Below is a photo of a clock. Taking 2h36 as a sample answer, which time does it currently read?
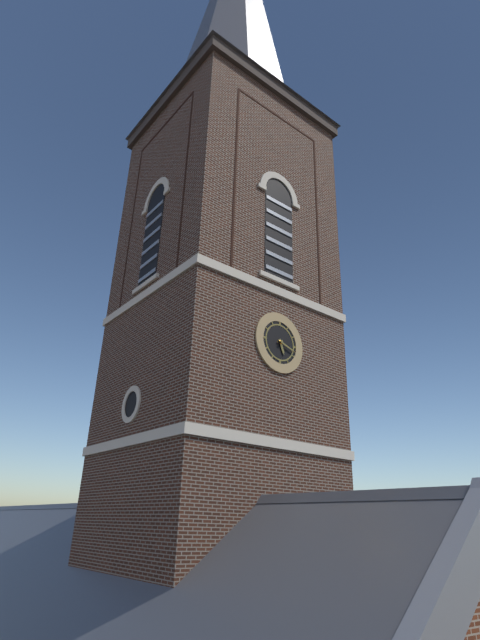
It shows 5h18
